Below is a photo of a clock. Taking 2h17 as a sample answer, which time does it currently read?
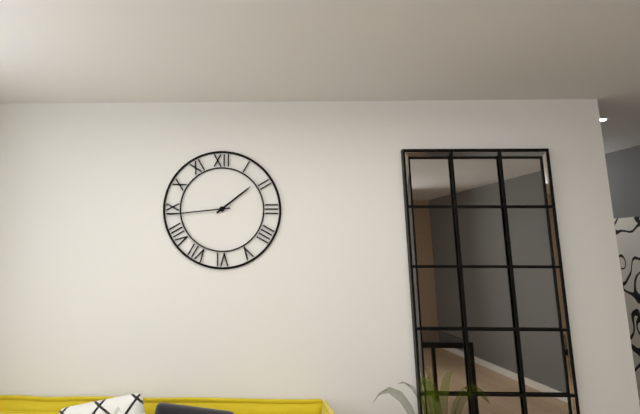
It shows 1h44
